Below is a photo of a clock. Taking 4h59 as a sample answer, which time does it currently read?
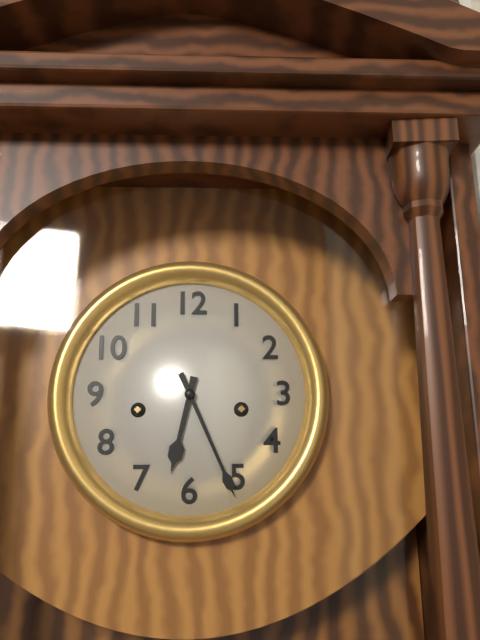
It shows 6h26
